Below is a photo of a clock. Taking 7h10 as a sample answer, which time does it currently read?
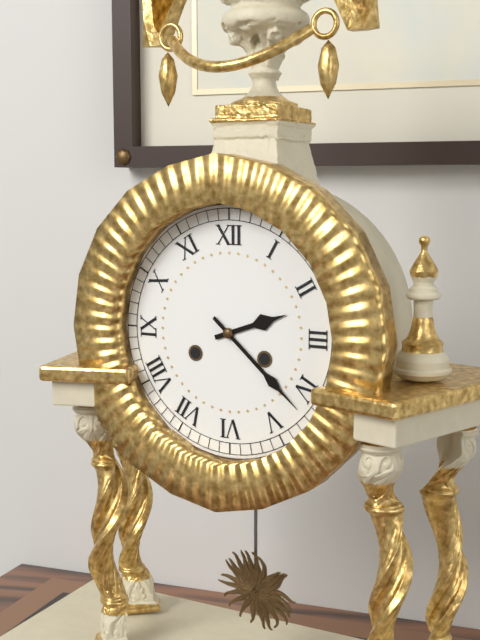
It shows 2h22
